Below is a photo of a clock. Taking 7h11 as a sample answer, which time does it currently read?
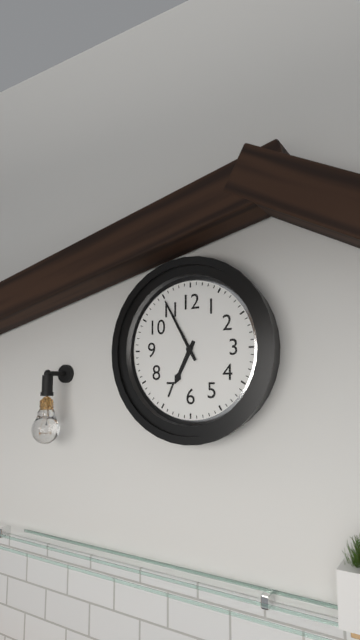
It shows 6h55
